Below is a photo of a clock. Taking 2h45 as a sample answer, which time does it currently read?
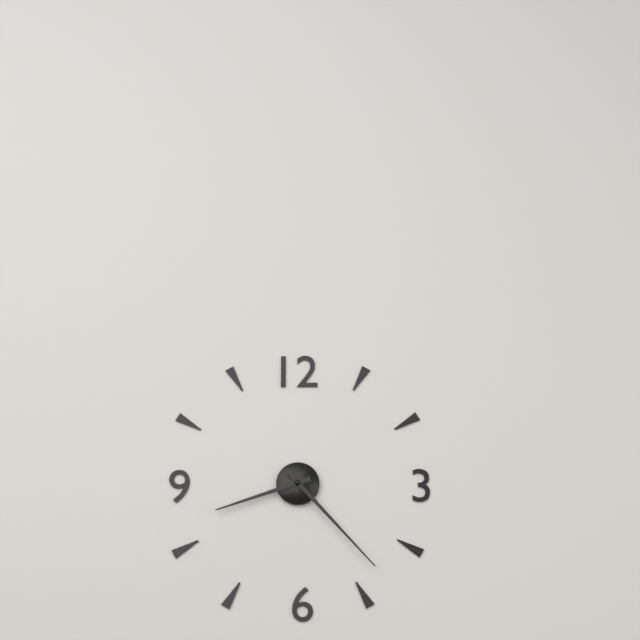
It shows 8h23
